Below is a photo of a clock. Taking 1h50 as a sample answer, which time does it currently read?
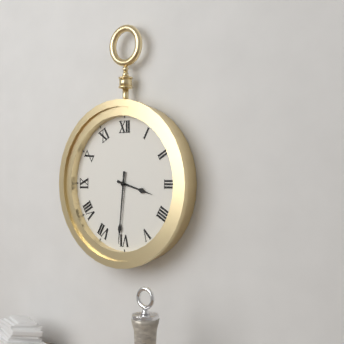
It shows 3h31
